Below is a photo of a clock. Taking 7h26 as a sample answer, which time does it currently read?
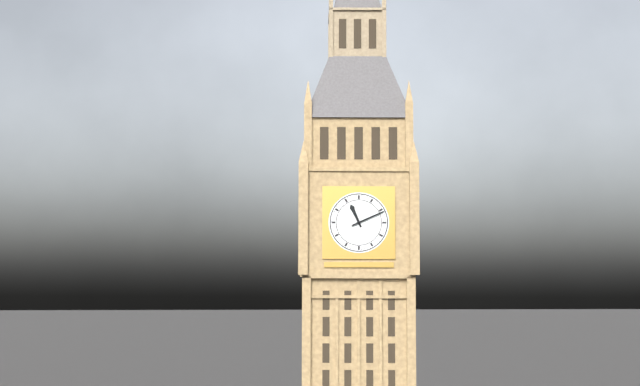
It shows 11h11
